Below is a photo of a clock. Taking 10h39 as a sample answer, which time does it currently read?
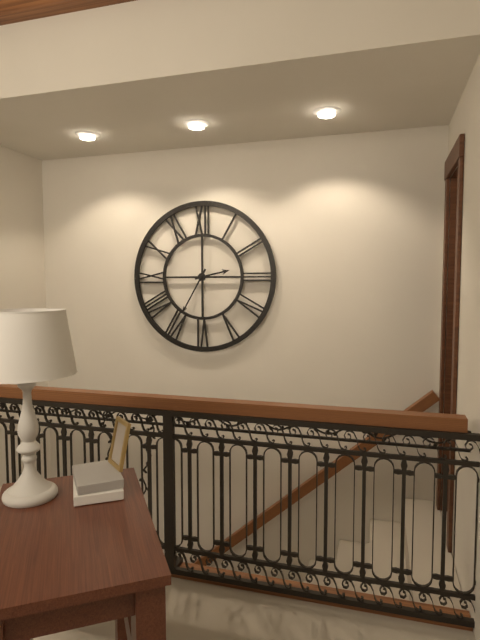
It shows 2h35
